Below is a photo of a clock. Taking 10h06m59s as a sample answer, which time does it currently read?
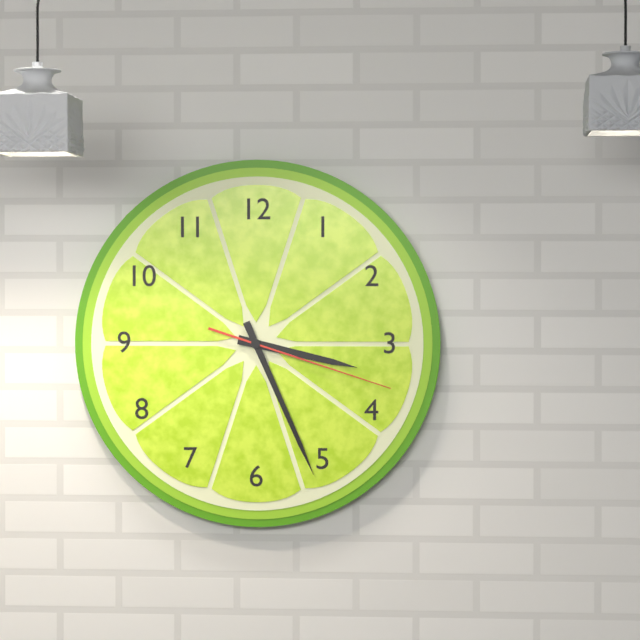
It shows 3h26m18s
